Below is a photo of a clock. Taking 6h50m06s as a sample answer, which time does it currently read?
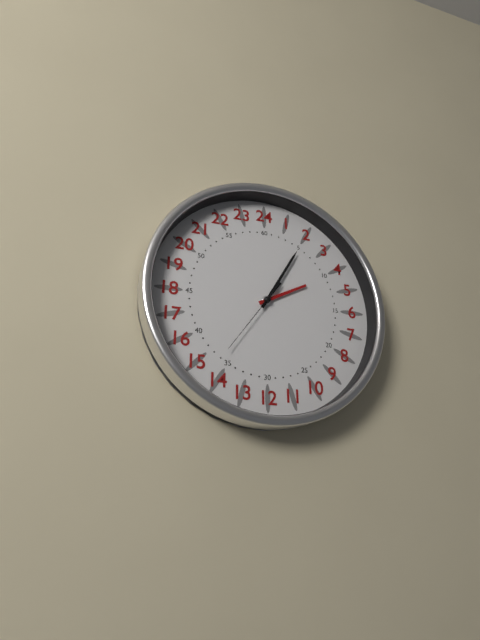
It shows 2h05m36s
